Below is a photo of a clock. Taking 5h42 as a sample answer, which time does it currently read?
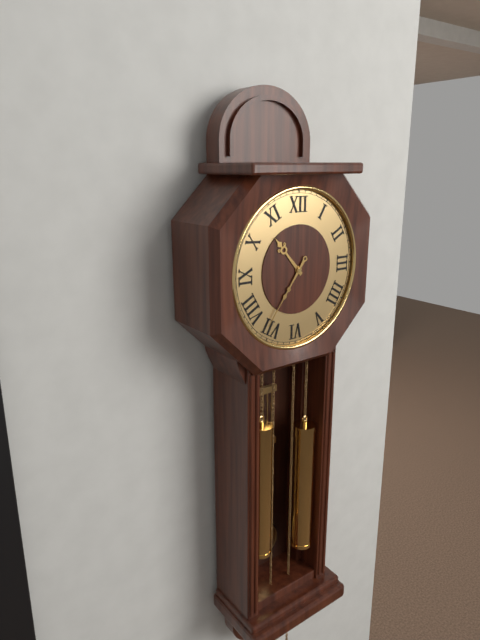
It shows 10h36
